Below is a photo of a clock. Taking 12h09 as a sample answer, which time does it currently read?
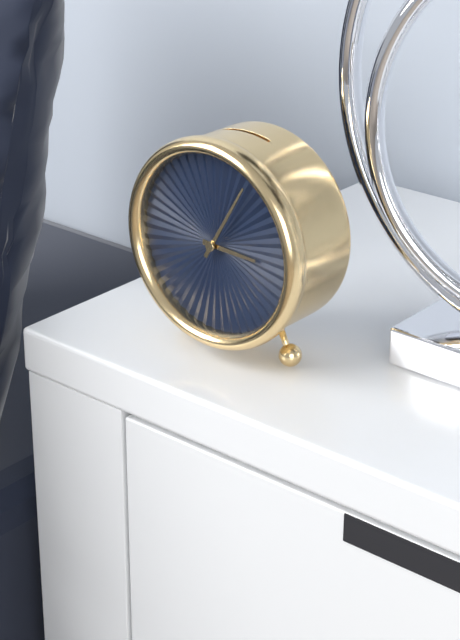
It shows 3h05
